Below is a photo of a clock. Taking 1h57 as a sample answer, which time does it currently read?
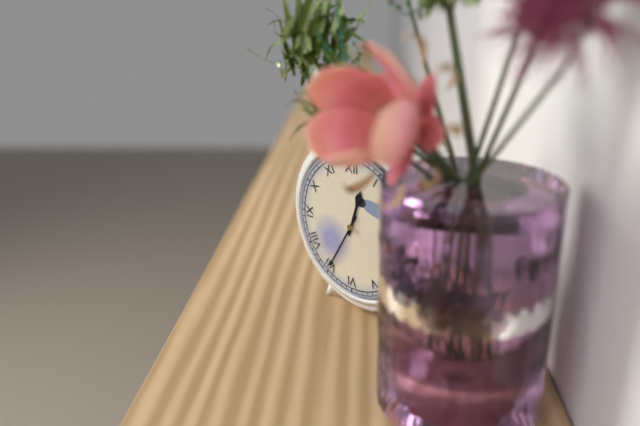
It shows 12h35
